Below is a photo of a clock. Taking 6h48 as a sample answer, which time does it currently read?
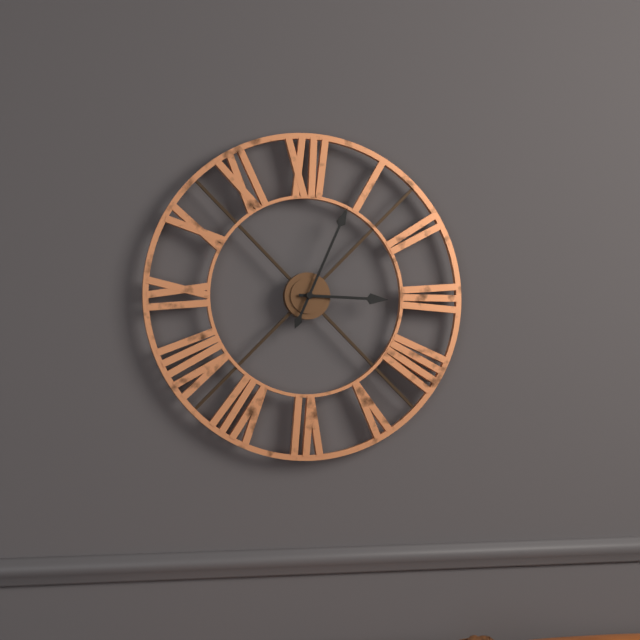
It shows 3h04
